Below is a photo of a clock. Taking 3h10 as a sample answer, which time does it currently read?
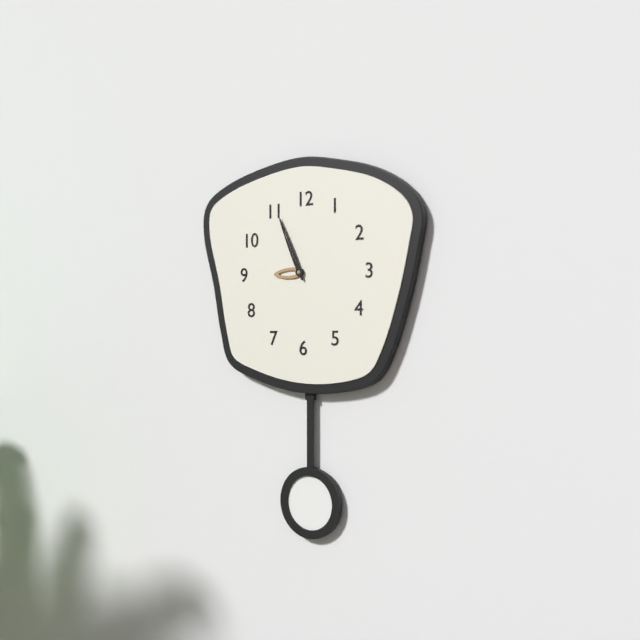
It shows 8h56
